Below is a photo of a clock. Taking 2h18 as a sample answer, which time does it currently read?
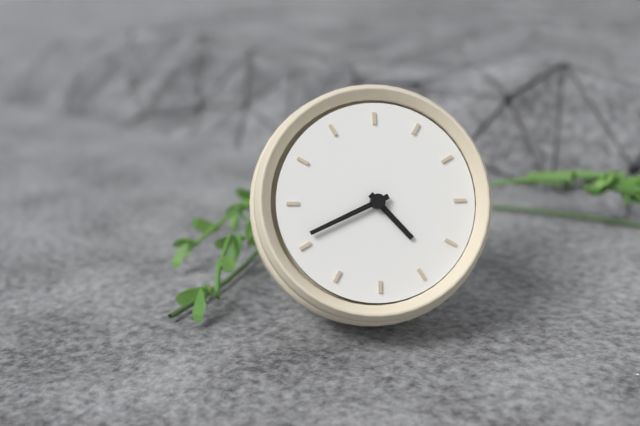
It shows 3h36
